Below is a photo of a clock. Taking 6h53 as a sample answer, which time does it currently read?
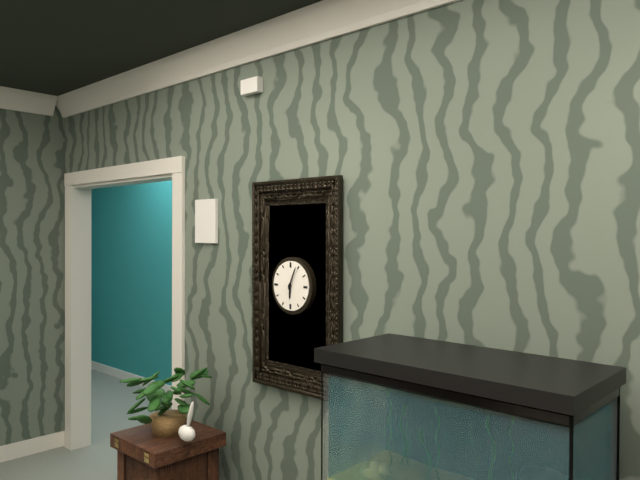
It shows 6h04
